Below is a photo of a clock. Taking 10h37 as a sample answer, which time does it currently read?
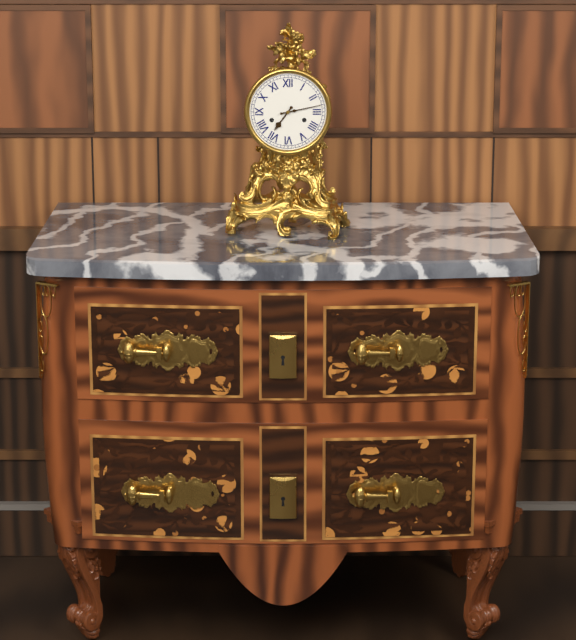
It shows 7h13
